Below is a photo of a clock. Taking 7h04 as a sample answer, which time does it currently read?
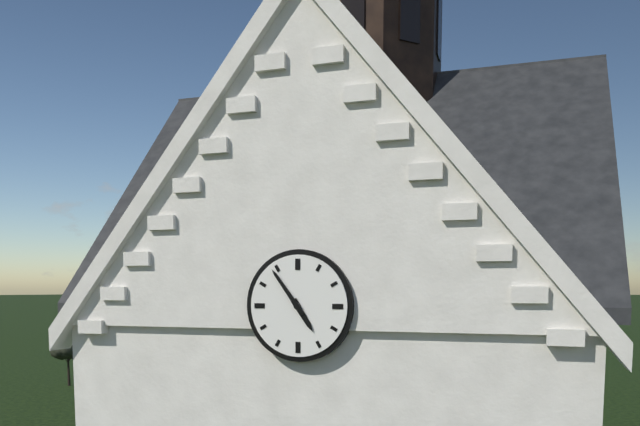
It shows 4h54
